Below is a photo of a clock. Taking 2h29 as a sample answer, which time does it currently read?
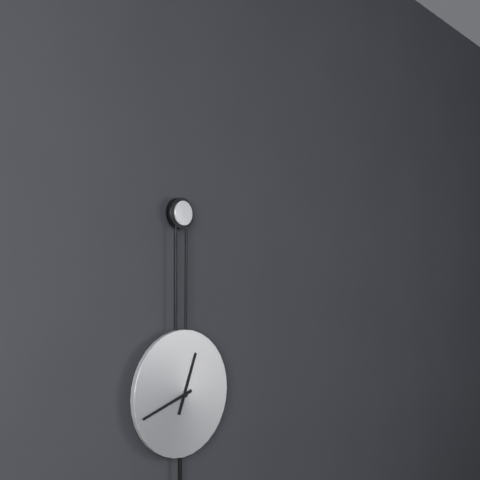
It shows 12h42
